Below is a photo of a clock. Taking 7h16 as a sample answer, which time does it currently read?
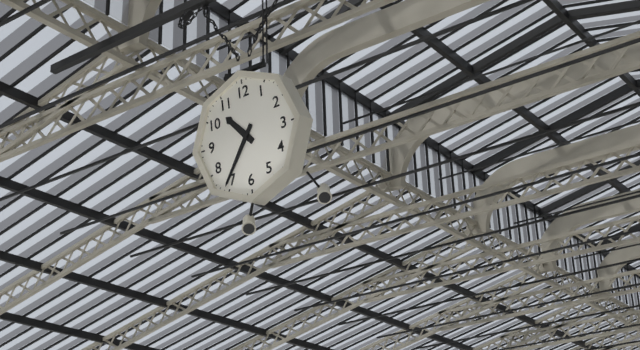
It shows 10h36
